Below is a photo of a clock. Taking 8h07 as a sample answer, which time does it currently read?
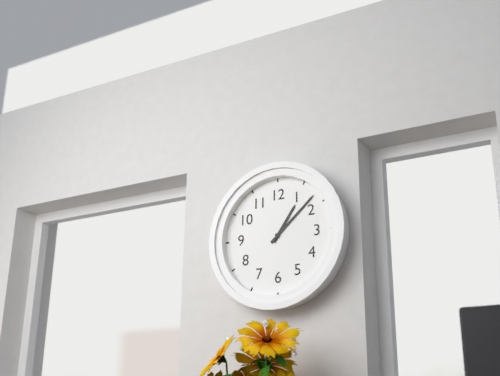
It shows 1h08
